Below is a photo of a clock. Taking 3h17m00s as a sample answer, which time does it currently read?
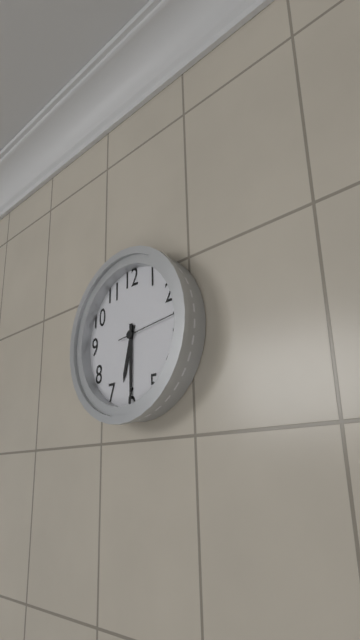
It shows 6h30m14s
